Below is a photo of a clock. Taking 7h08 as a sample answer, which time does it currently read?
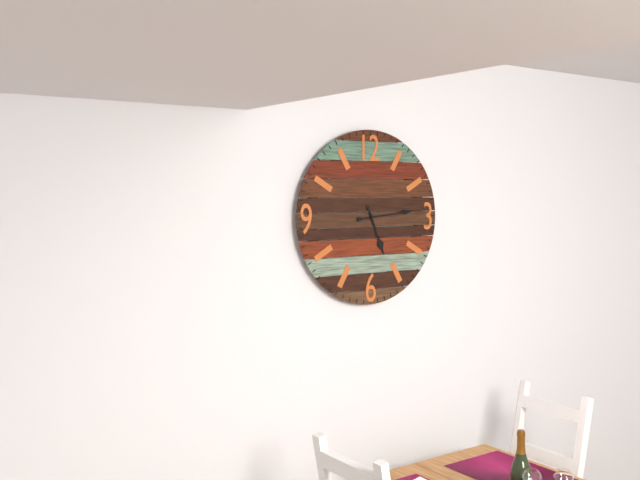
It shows 5h14
